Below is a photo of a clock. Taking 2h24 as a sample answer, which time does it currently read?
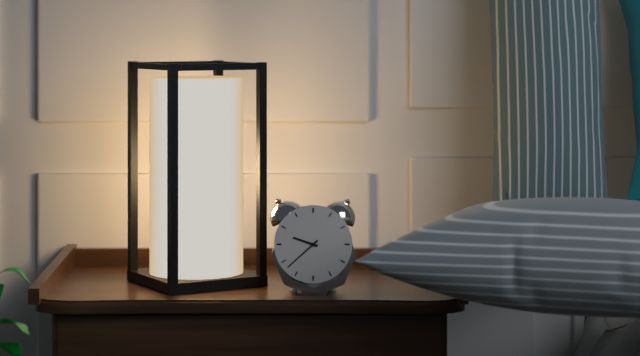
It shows 9h38
